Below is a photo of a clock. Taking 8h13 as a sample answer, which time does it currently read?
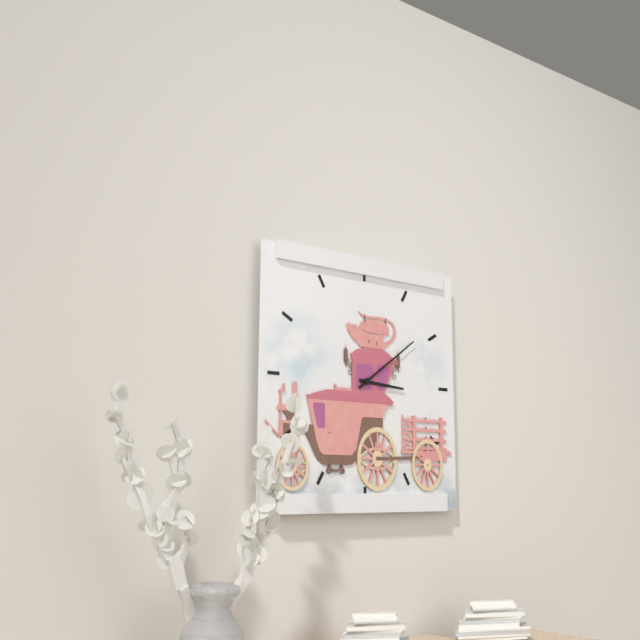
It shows 3h09
